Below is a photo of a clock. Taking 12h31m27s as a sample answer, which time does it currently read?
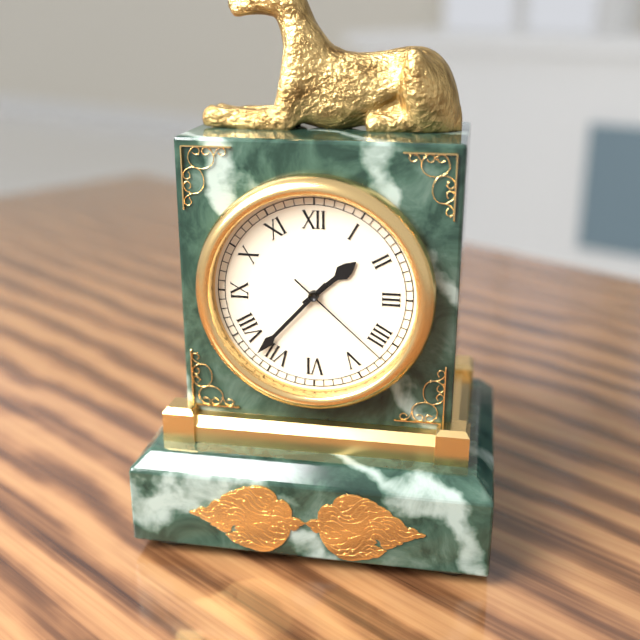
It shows 1h37m22s
